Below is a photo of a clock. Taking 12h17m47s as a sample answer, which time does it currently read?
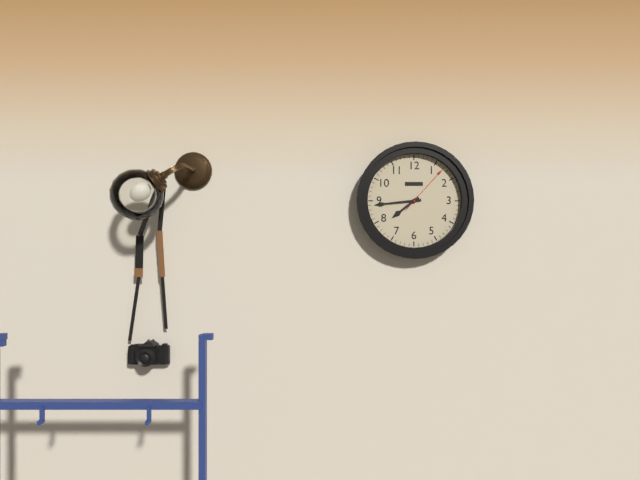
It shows 7h44m07s
